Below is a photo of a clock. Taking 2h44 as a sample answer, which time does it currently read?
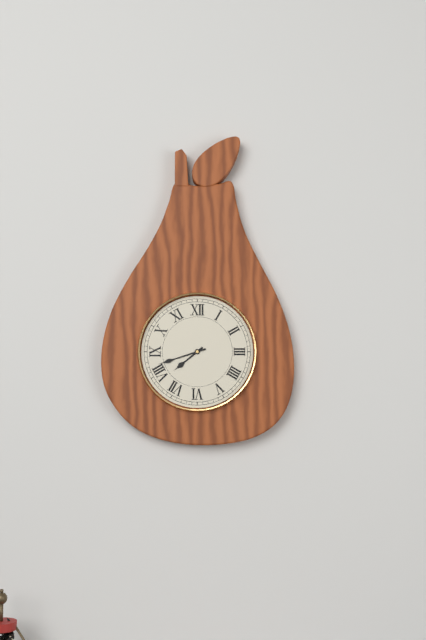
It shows 7h42
